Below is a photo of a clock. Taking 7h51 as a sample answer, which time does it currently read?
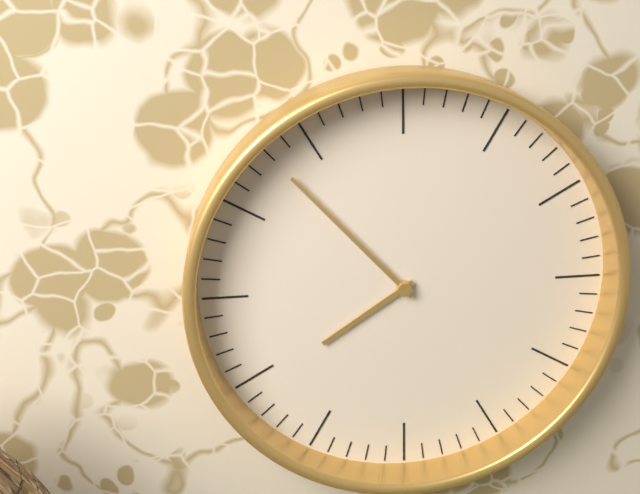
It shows 7h53
